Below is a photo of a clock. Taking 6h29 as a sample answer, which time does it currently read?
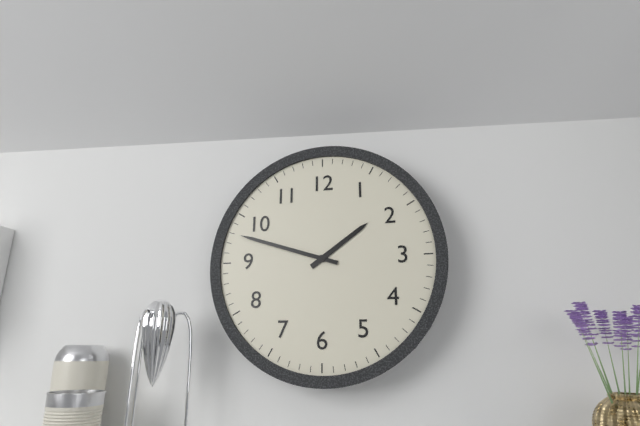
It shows 1h48
